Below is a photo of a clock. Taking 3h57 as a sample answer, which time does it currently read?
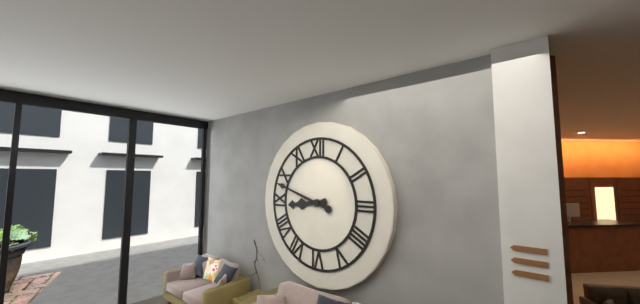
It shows 8h48
